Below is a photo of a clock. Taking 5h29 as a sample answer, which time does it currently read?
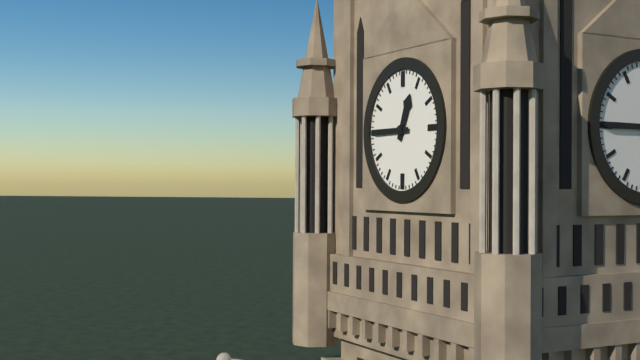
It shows 12h45
